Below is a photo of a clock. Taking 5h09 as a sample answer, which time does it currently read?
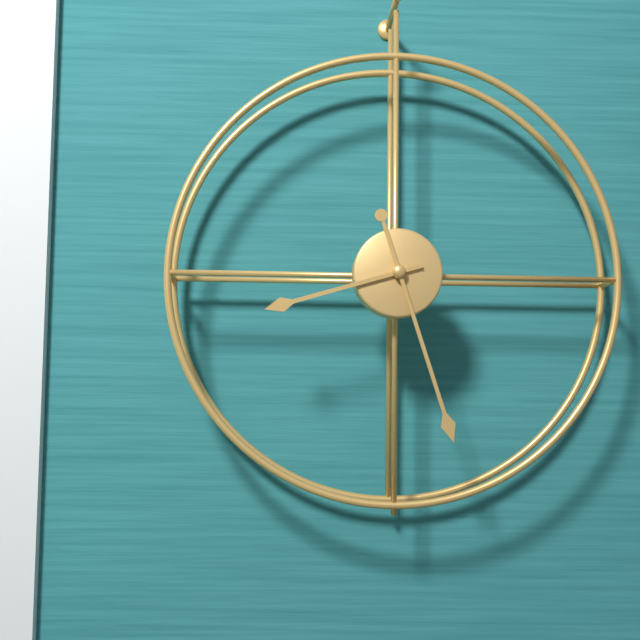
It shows 8h27
